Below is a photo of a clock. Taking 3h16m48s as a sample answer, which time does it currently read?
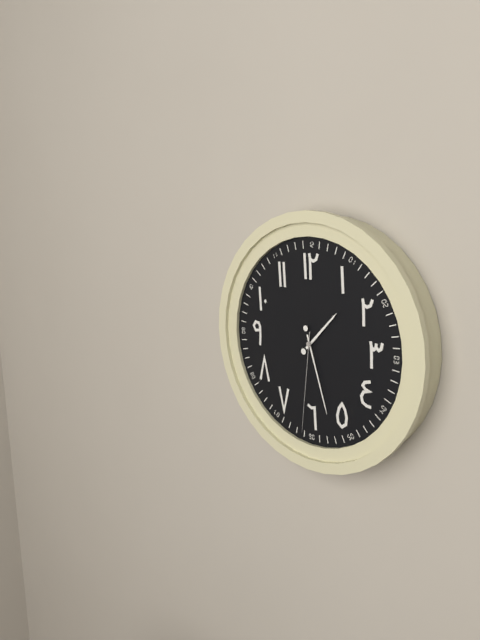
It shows 1h27m31s
